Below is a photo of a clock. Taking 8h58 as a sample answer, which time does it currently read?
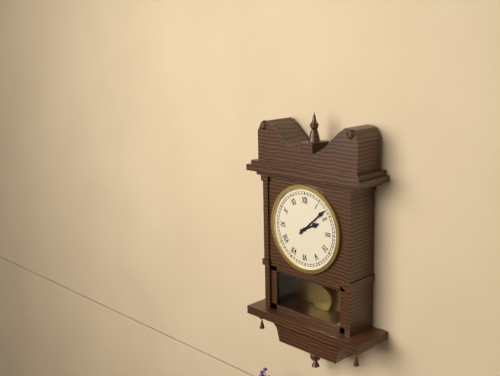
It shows 2h08
